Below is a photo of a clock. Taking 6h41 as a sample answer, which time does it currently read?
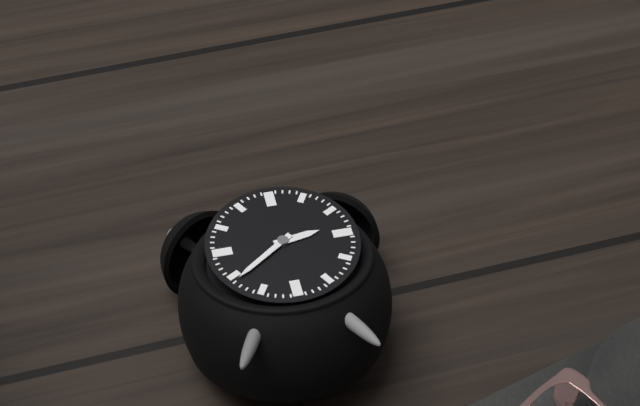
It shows 2h39
